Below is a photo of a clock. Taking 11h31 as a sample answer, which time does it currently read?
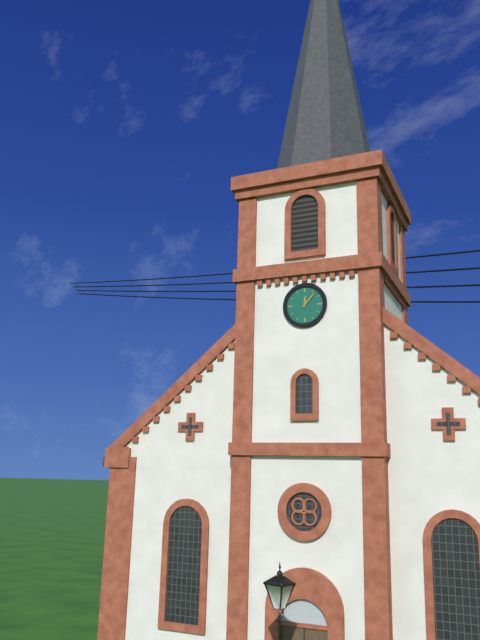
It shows 12h07
